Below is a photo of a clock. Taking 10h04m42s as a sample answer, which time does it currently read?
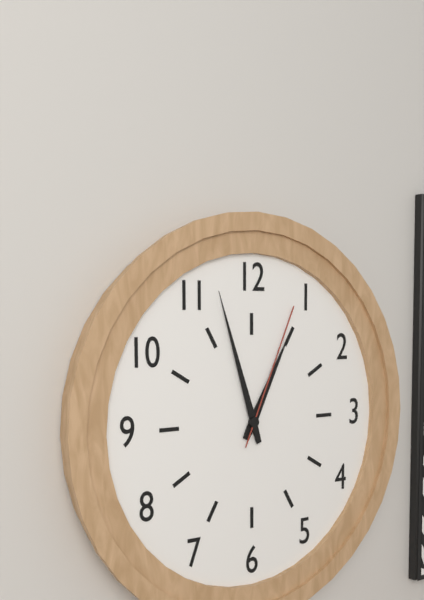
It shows 12h57m04s
